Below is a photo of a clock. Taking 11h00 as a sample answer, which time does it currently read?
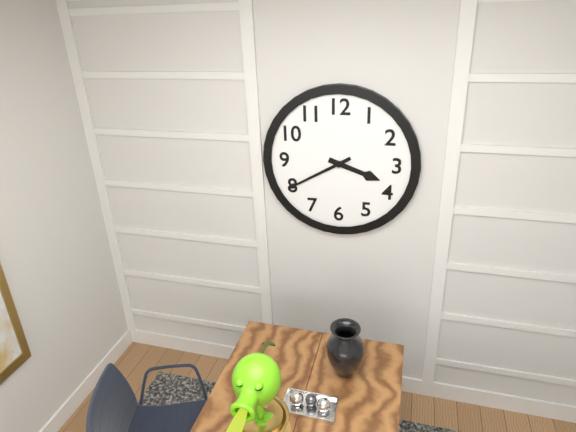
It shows 3h40
